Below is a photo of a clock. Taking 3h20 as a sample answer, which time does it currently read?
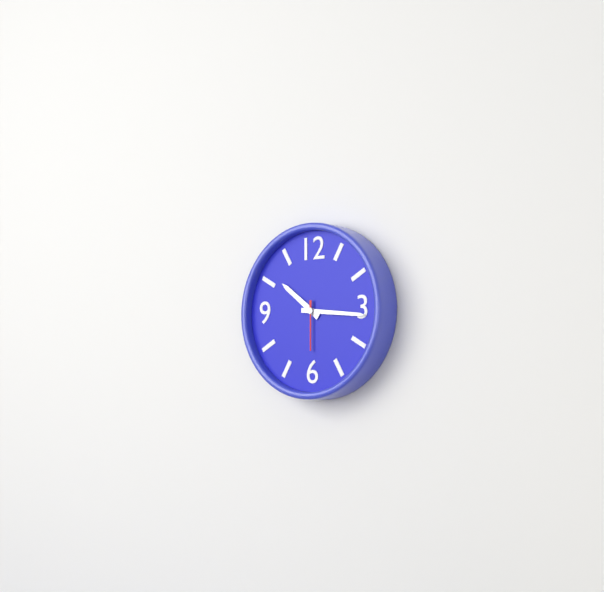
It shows 10h16
